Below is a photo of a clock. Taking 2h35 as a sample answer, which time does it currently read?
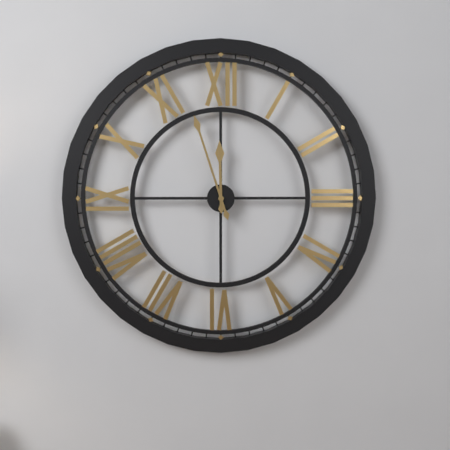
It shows 11h57
